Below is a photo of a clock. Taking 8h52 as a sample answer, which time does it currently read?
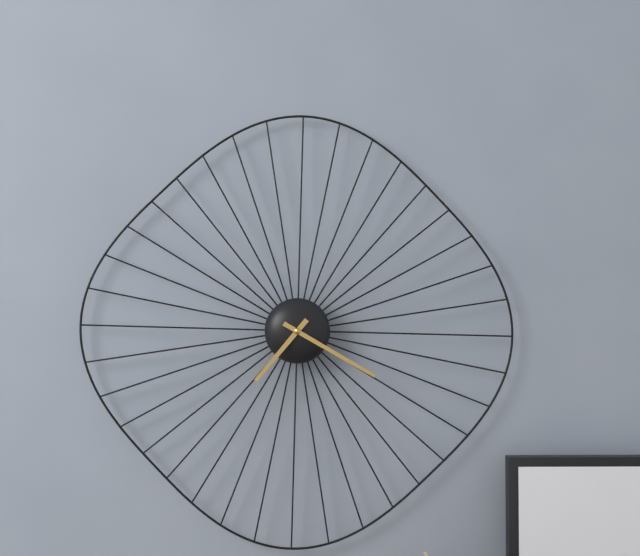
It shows 7h20
